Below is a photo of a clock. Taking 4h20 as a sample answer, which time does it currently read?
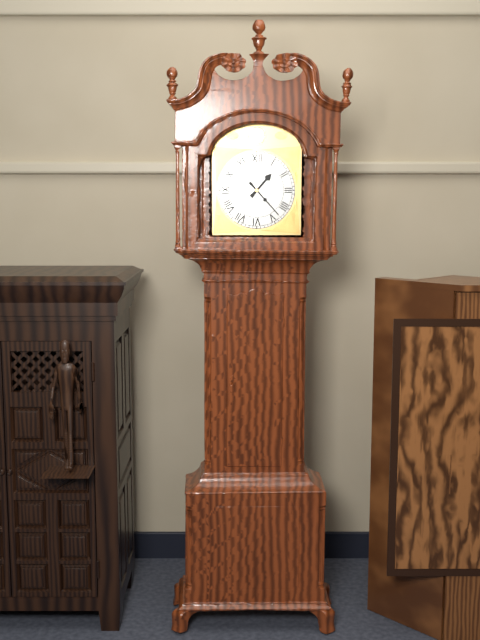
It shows 1h23
